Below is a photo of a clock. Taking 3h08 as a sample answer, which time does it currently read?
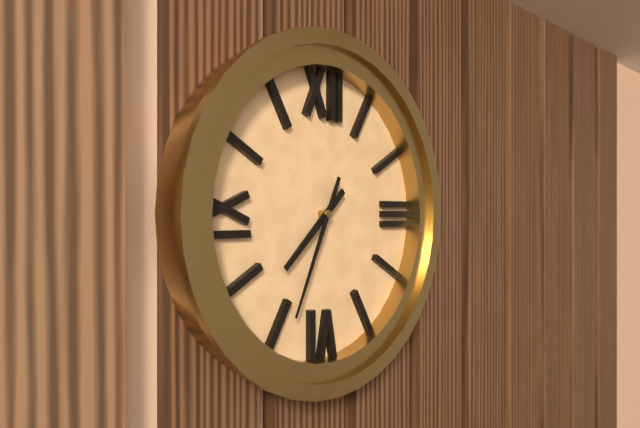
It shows 7h34
